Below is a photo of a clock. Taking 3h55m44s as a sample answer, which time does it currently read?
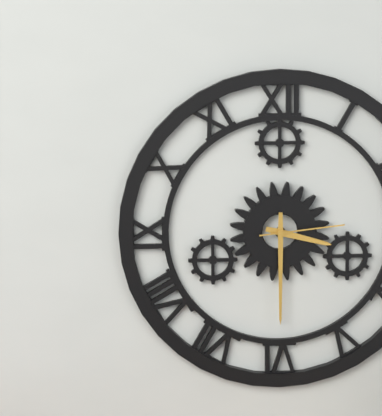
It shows 3h30m14s
